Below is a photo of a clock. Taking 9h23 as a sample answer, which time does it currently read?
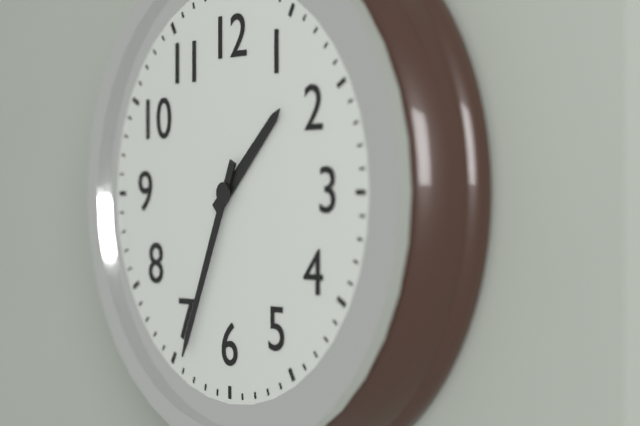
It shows 1h34
